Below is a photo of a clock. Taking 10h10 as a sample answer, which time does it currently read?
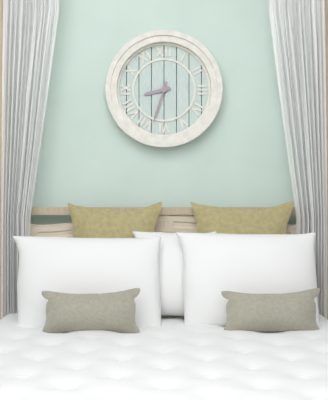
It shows 8h33
